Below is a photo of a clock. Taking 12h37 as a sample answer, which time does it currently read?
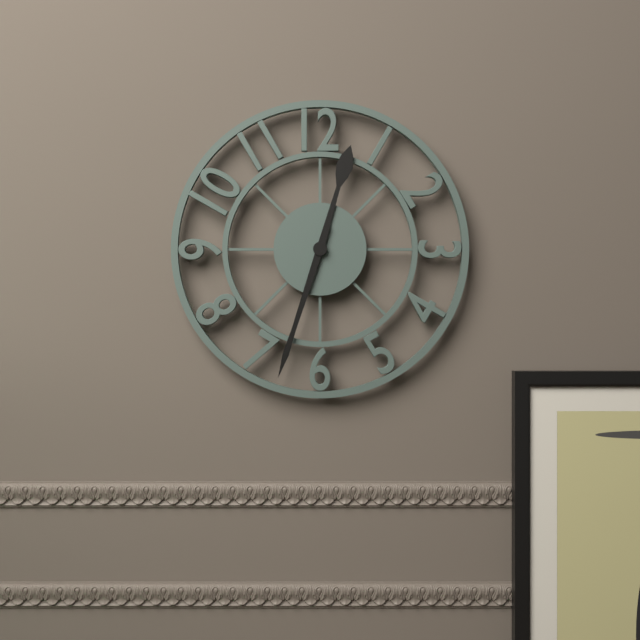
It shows 12h33
